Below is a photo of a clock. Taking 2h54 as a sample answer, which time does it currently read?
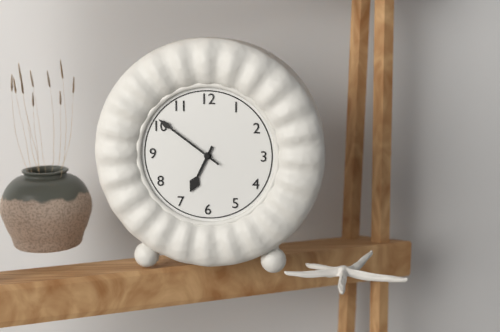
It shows 6h51
